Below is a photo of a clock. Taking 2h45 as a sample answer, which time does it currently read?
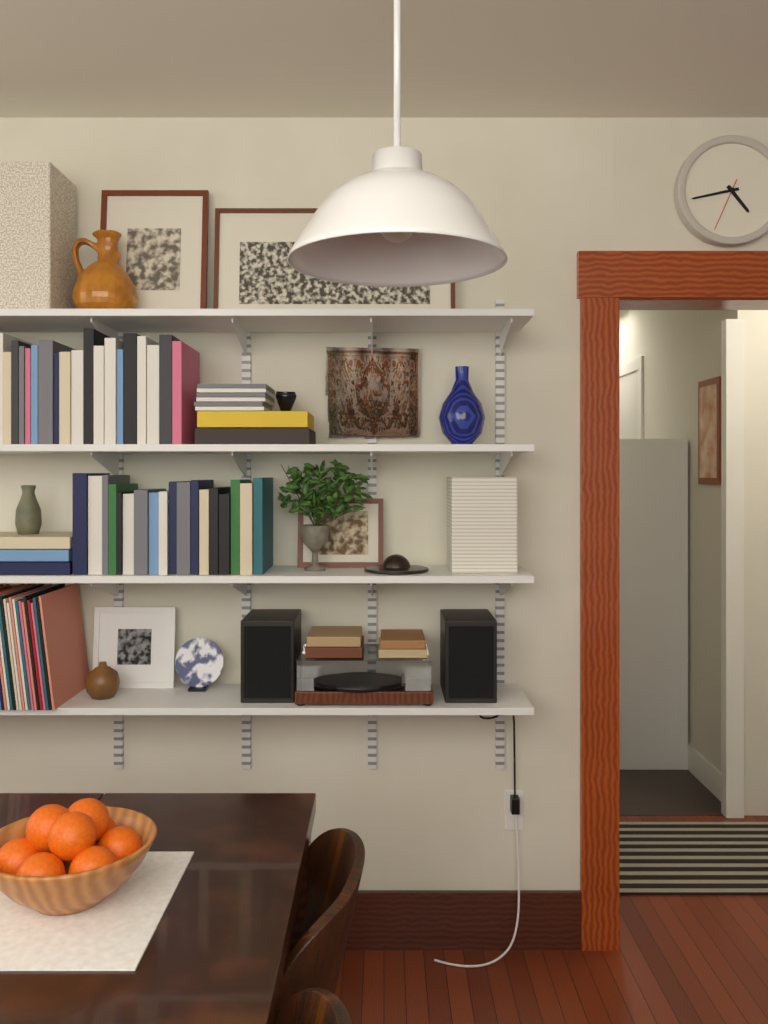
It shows 4h43
